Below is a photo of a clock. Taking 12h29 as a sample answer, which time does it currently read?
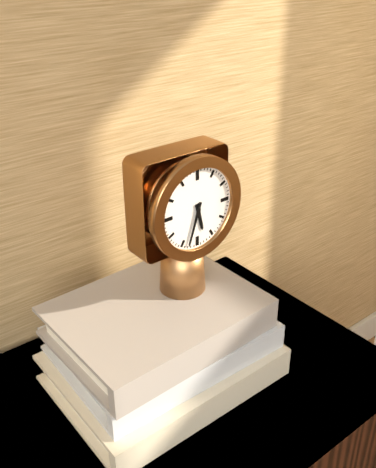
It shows 5h33
